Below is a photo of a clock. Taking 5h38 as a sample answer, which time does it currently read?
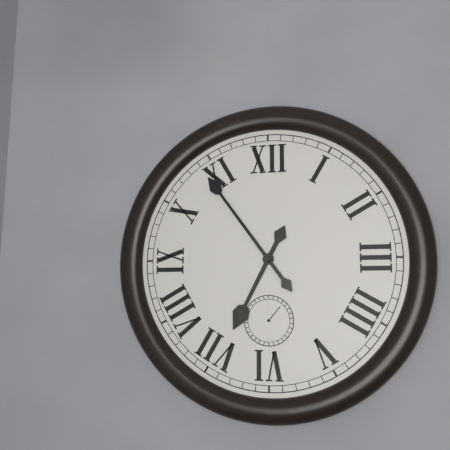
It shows 6h54
